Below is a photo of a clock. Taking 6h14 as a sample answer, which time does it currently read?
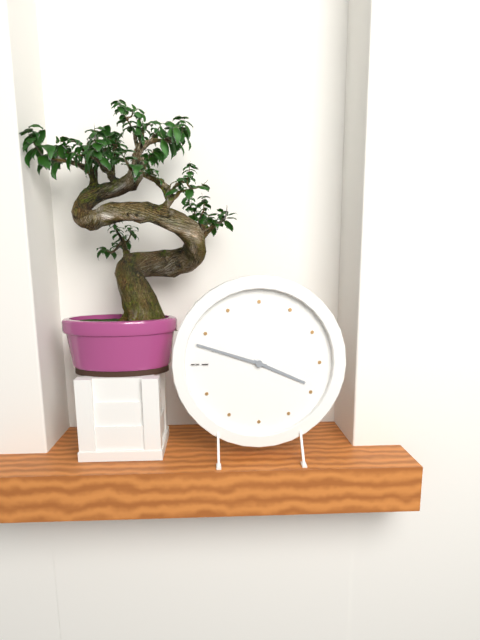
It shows 3h48
